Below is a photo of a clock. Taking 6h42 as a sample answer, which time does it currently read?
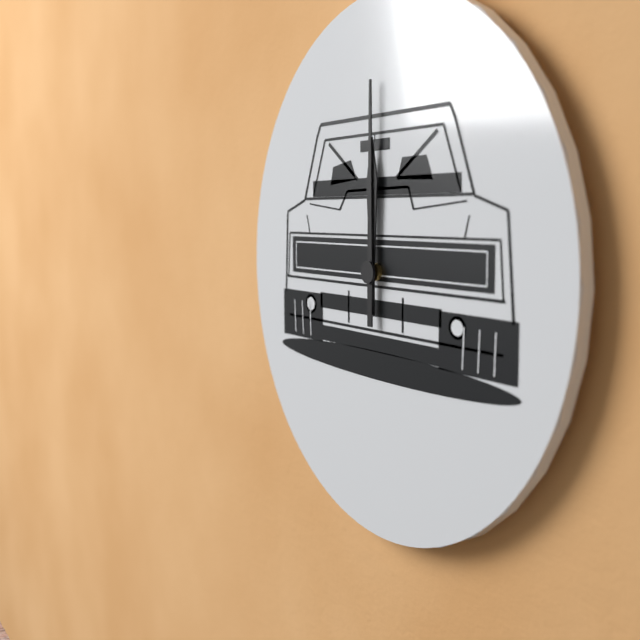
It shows 12h00
